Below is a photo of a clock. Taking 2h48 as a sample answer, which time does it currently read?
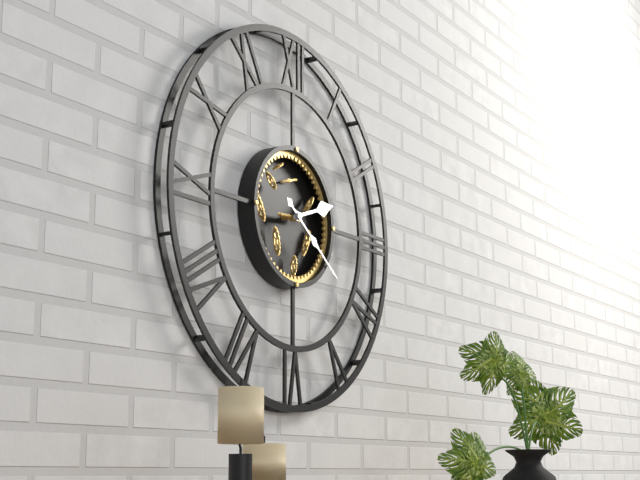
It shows 2h21
